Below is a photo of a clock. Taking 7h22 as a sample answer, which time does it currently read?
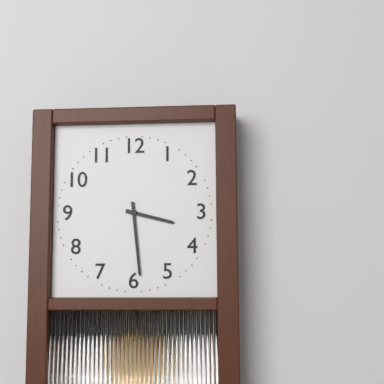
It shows 3h29
